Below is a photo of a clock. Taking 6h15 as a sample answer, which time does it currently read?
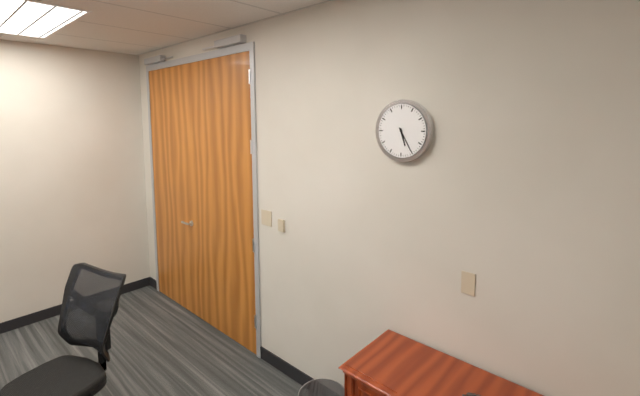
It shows 5h25
